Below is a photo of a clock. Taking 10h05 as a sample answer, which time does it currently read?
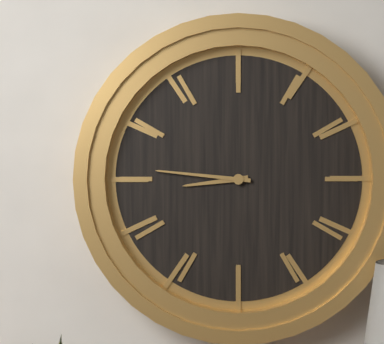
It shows 8h46
